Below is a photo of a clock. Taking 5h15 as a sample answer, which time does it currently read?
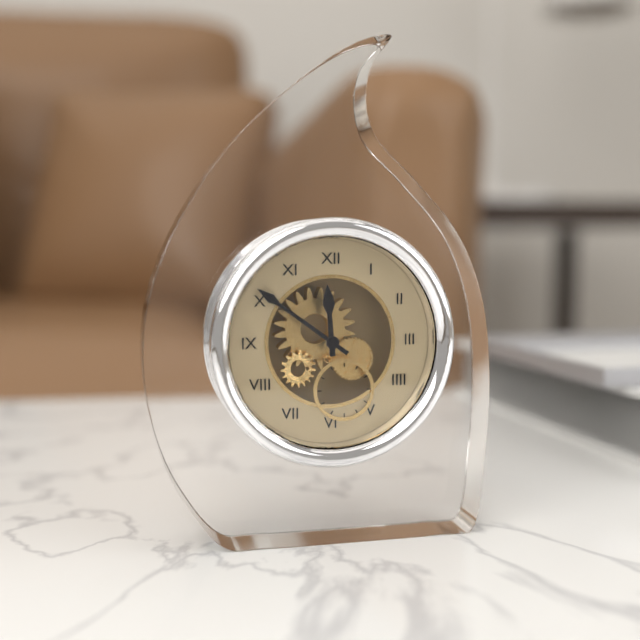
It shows 11h51
